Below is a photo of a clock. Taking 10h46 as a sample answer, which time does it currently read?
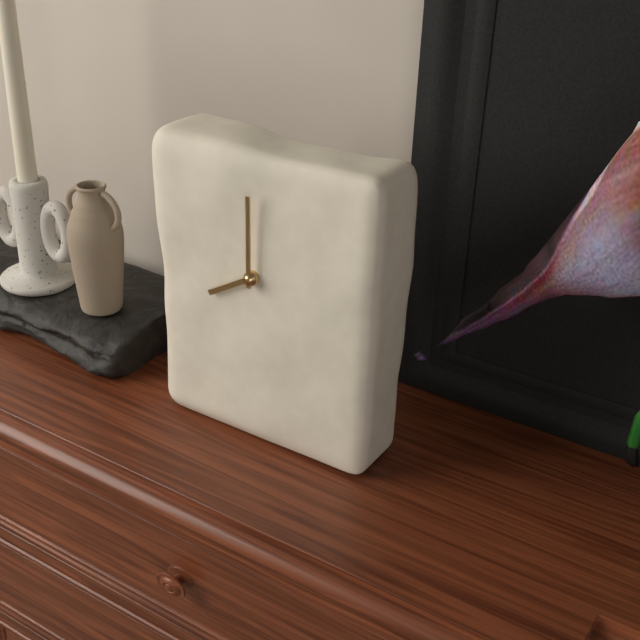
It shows 8h00
